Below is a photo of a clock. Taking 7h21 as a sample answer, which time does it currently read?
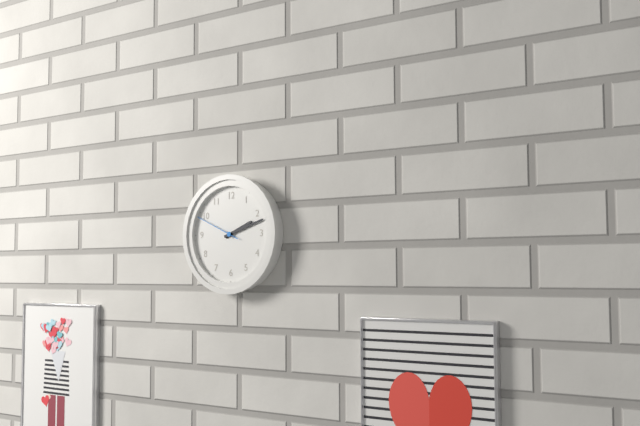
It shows 2h12
